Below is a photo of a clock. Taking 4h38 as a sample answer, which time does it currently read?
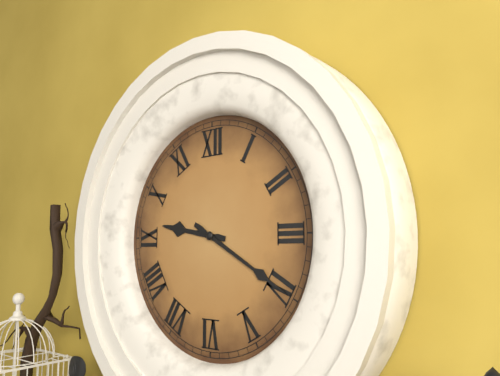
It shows 9h20
